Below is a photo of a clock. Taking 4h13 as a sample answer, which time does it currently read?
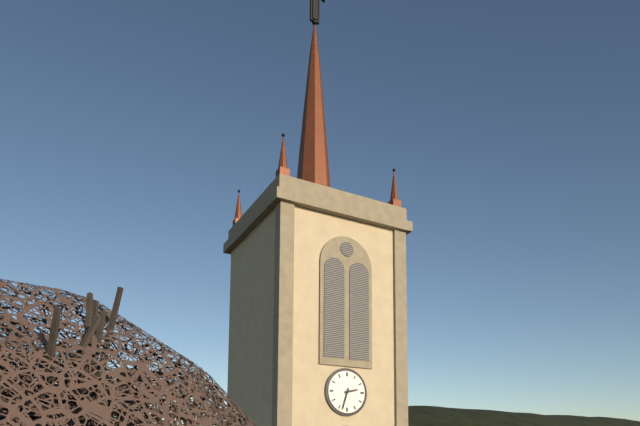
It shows 2h33
